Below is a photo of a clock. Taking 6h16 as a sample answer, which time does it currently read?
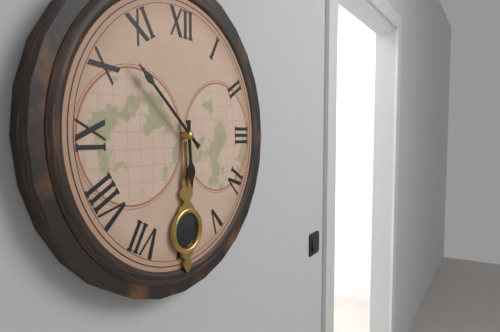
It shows 5h52
